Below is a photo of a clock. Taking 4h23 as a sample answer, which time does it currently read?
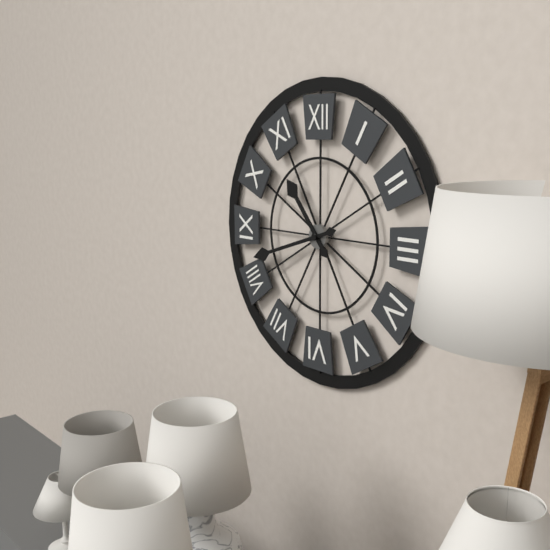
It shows 10h42
